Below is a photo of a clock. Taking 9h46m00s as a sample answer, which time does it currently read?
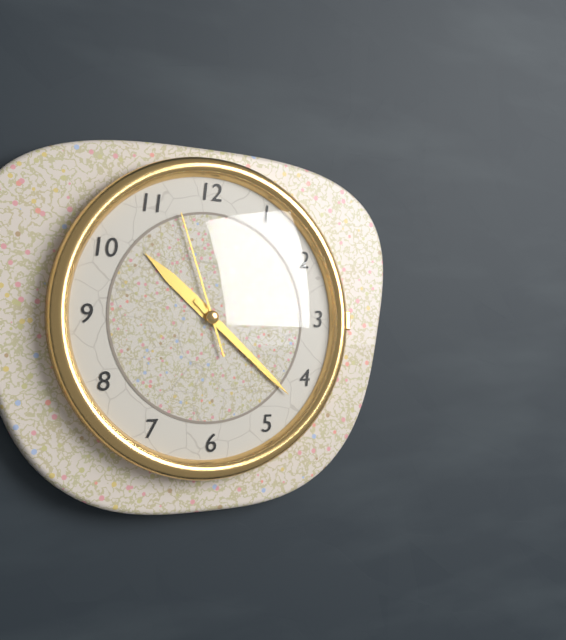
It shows 10h22m57s
